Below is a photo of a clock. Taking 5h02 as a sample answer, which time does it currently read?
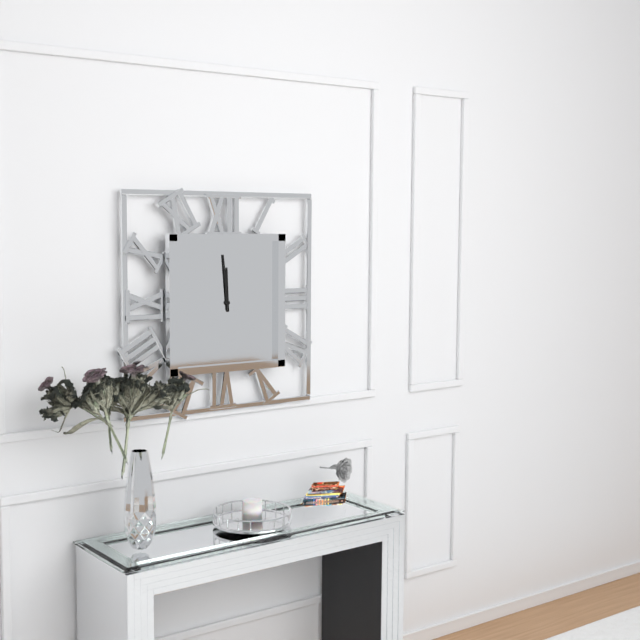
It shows 11h59
